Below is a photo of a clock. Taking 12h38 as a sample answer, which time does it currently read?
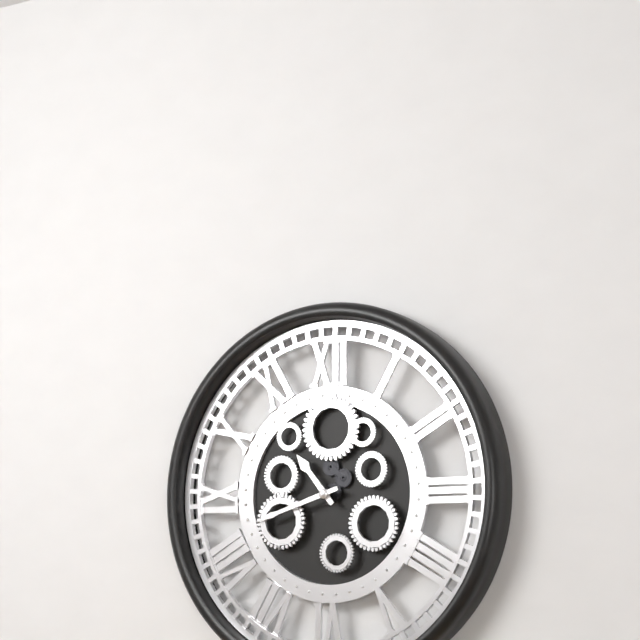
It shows 10h42
